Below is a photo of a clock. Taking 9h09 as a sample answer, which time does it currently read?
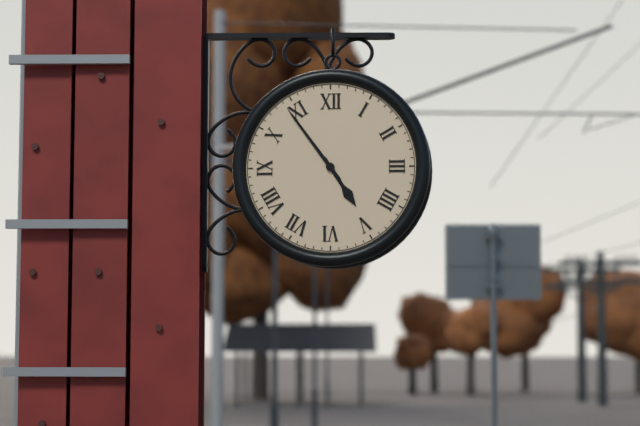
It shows 4h54
